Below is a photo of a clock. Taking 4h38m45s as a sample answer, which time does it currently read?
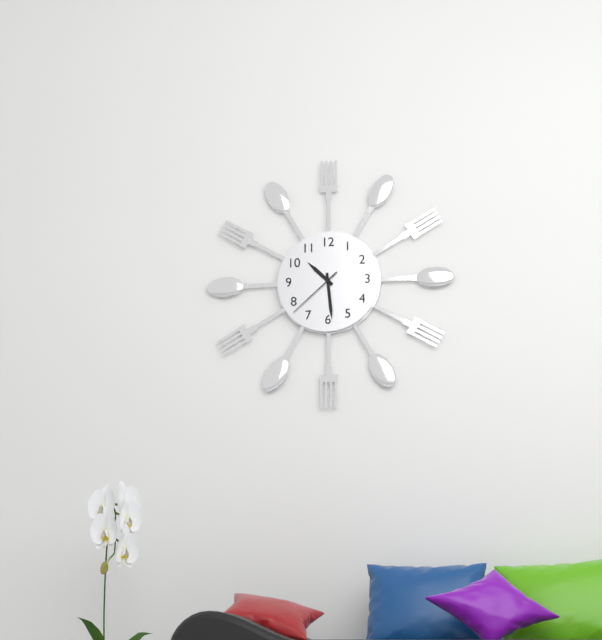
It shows 10h29m38s
